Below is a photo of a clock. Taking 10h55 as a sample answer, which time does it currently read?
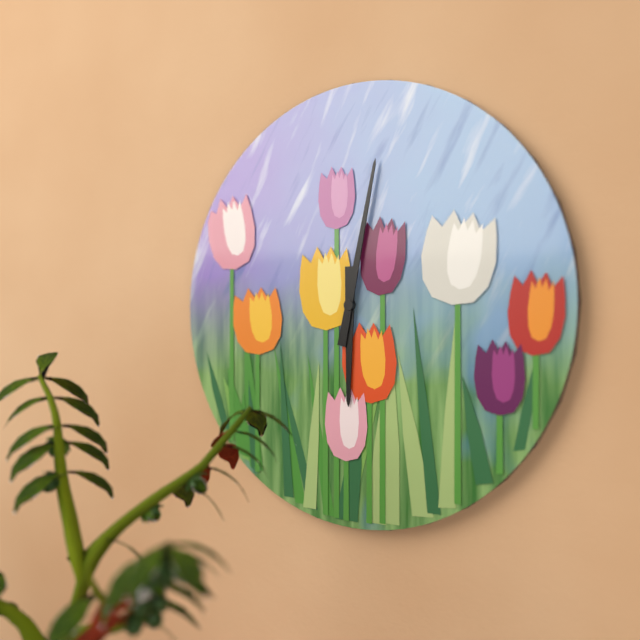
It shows 6h02
